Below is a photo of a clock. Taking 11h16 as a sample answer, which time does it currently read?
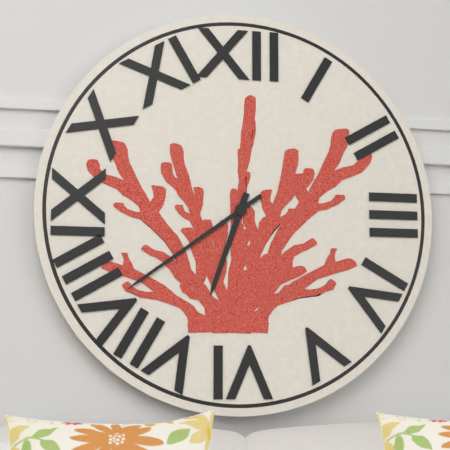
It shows 6h39
